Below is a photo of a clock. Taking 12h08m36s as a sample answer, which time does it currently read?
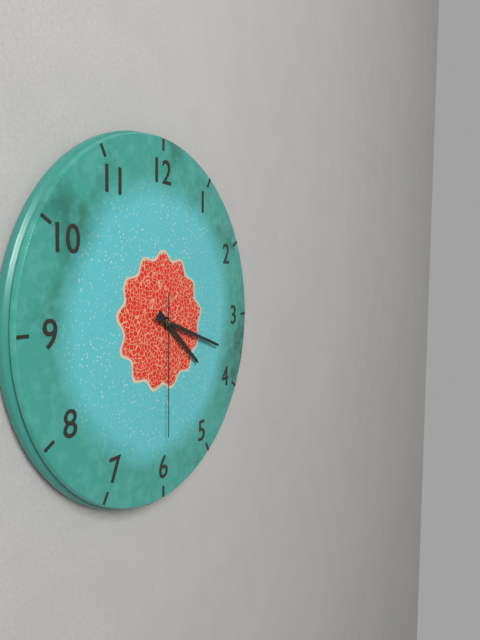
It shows 4h18m30s
